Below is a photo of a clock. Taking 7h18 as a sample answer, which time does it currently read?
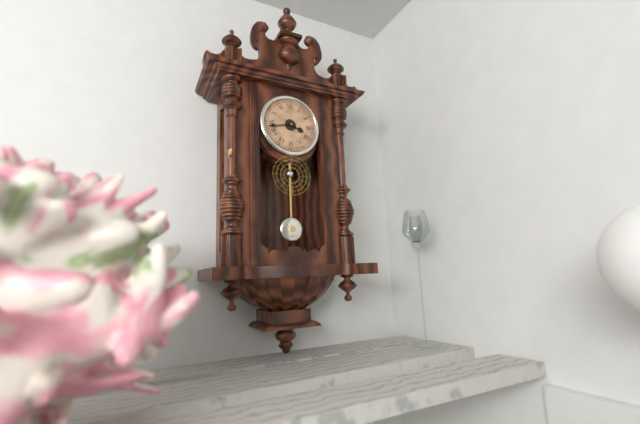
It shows 3h43
